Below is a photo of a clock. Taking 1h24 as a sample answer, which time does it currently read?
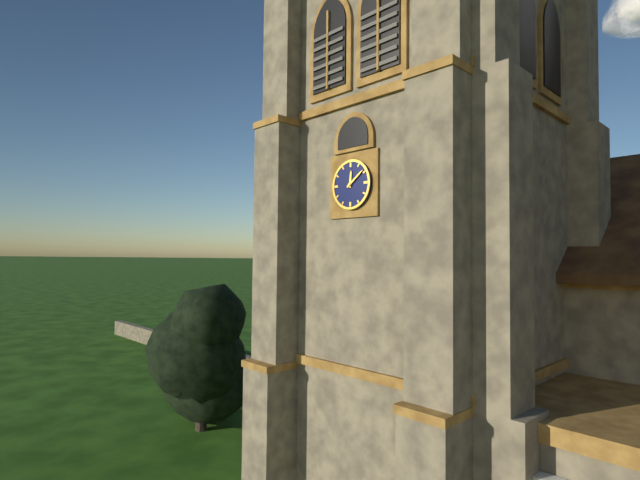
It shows 12h09
